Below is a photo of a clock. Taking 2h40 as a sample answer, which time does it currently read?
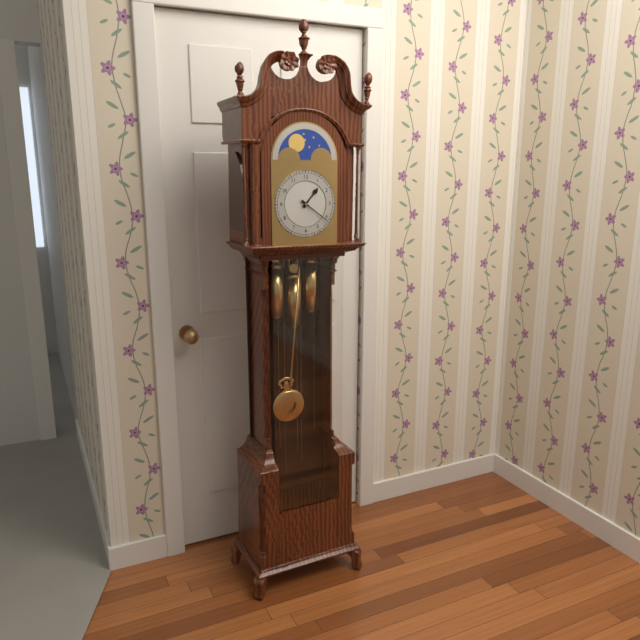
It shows 1h21
